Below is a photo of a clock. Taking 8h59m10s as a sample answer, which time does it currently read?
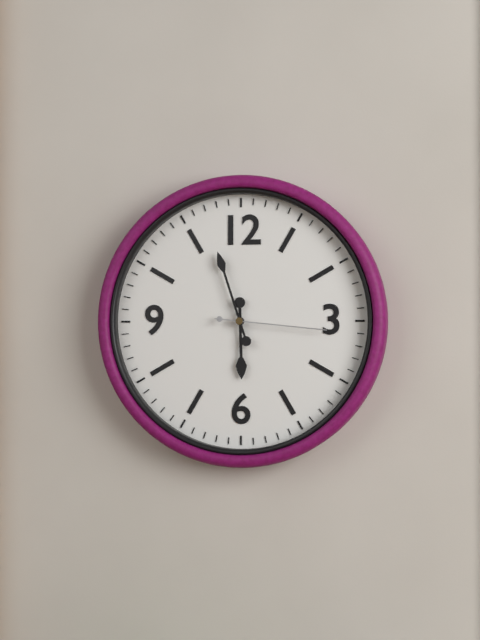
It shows 5h57m16s
